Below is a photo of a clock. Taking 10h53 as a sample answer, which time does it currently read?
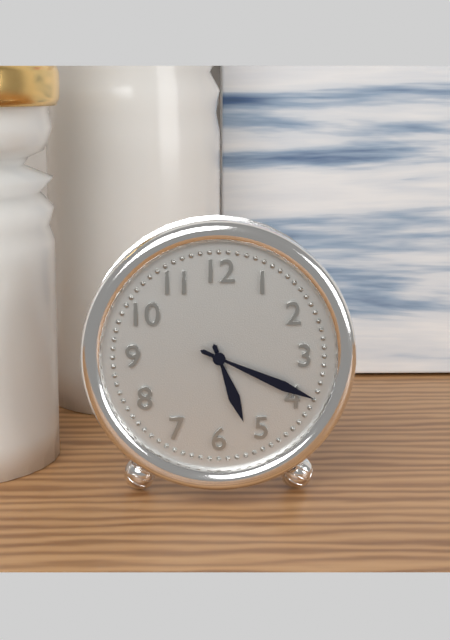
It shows 5h19
